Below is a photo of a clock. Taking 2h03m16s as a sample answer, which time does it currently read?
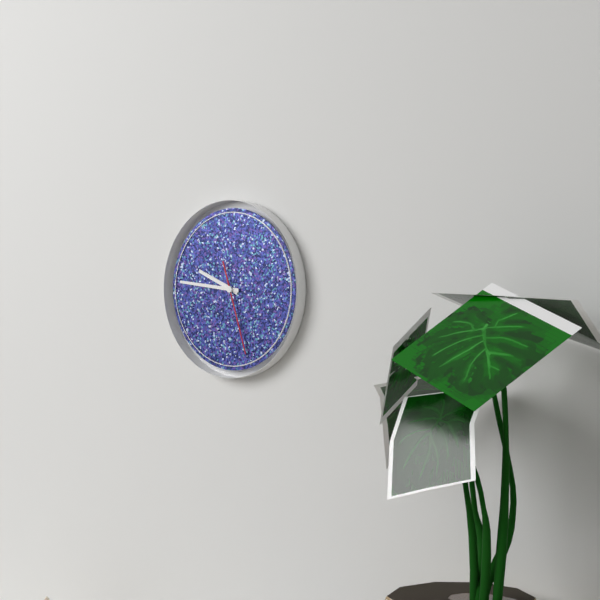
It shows 9h46m27s
